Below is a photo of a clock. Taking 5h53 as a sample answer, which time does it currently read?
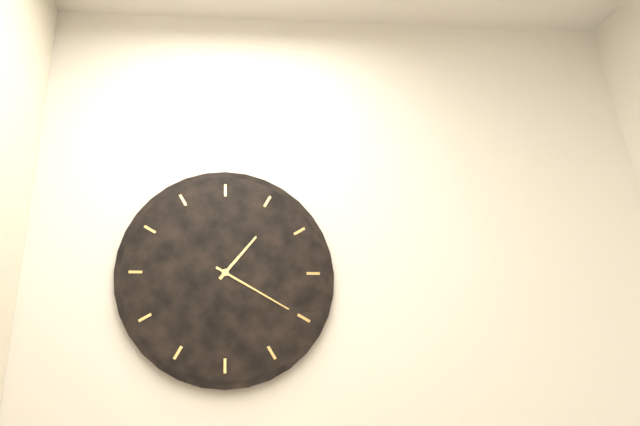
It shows 1h20
